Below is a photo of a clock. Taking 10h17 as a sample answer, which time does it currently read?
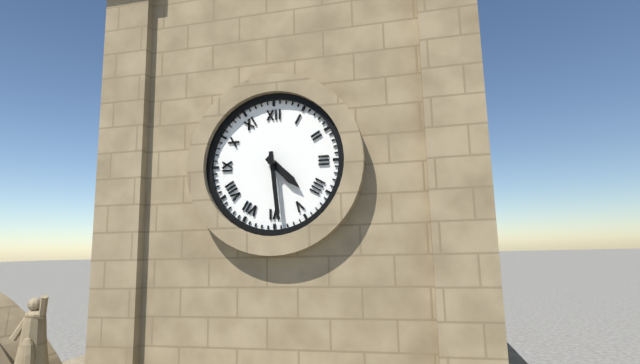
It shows 4h29
